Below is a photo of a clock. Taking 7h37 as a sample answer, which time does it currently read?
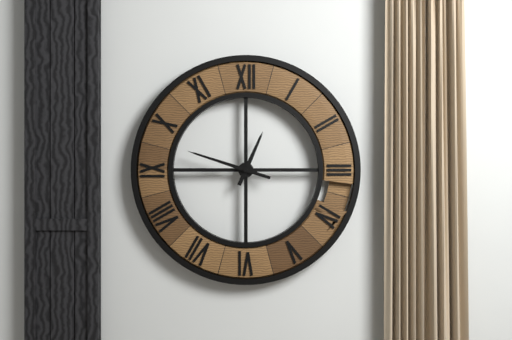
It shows 12h48
